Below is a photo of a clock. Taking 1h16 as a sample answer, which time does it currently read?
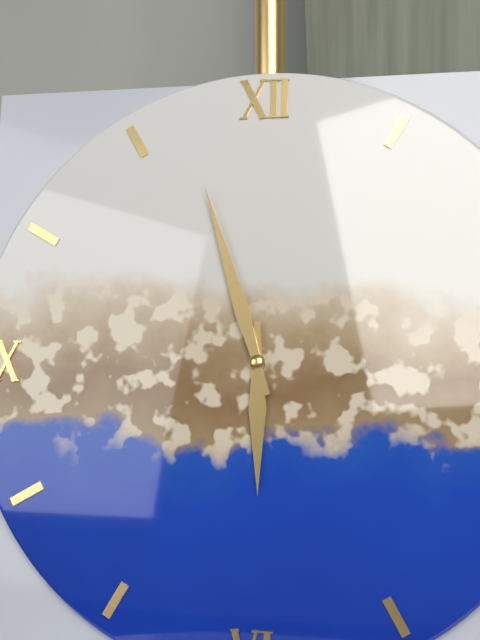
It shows 5h57
